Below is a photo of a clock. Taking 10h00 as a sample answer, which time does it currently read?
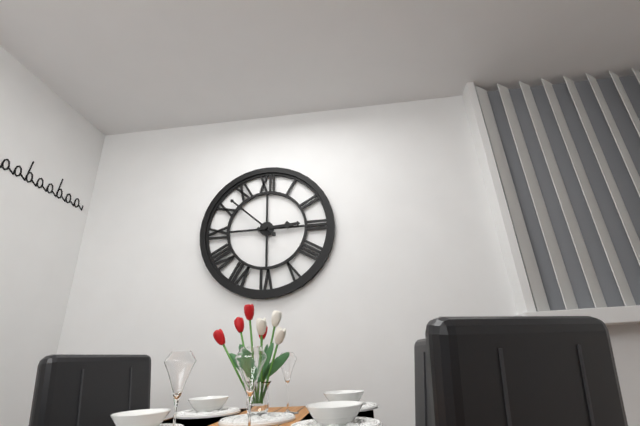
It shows 2h52
